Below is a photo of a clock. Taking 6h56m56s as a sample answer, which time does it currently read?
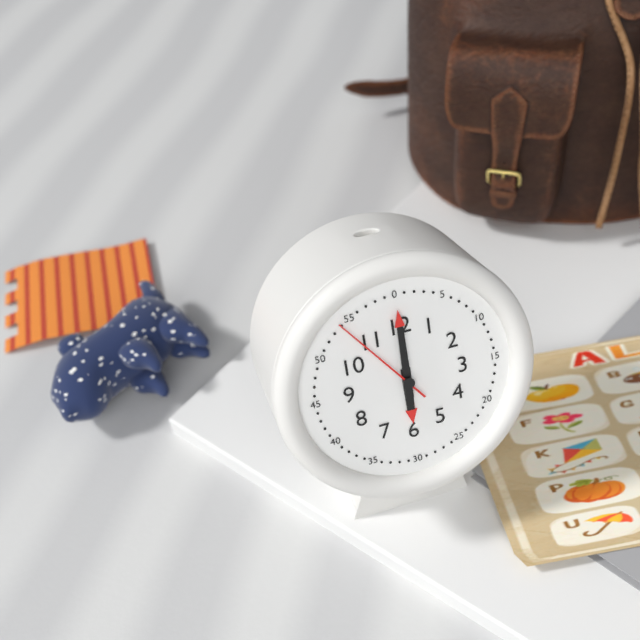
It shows 6h00m54s
